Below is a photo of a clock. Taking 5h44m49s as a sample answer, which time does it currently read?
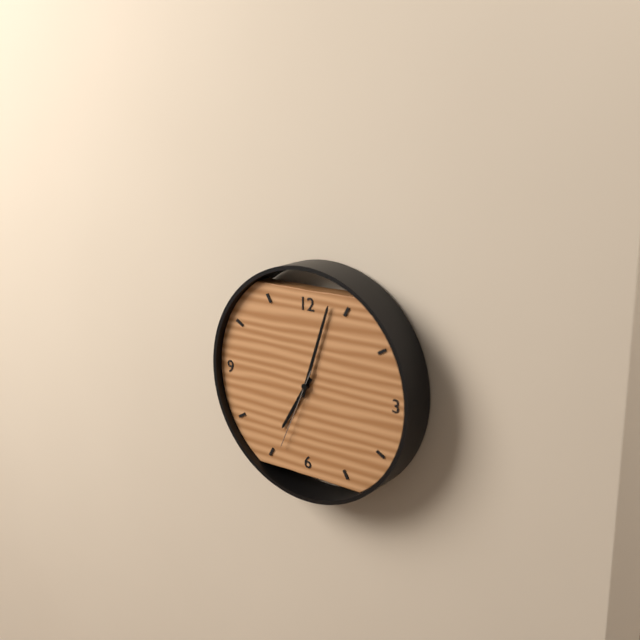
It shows 7h03m34s
